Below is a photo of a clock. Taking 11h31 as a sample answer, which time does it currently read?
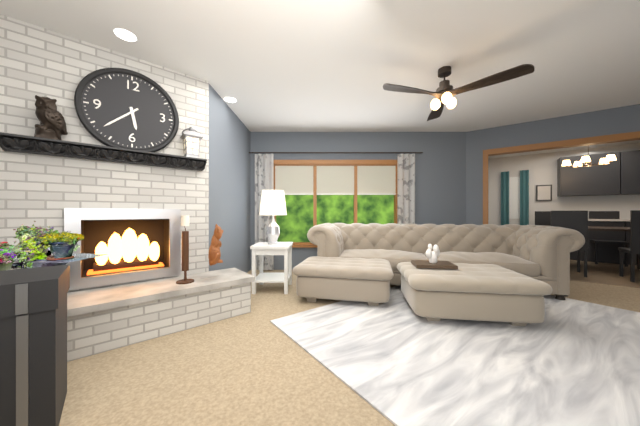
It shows 5h38
